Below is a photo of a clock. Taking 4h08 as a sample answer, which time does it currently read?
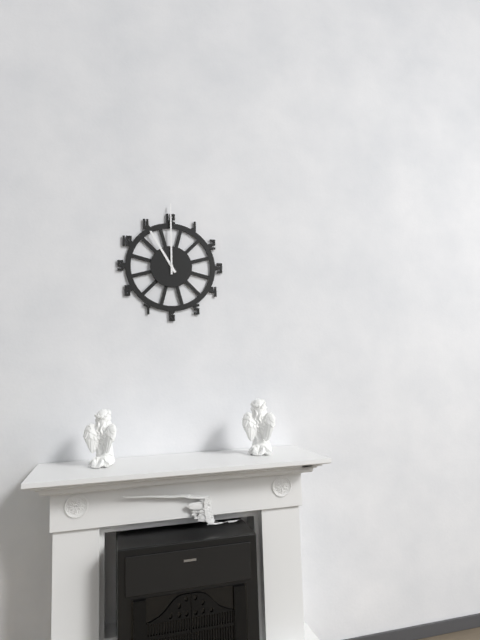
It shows 11h00
